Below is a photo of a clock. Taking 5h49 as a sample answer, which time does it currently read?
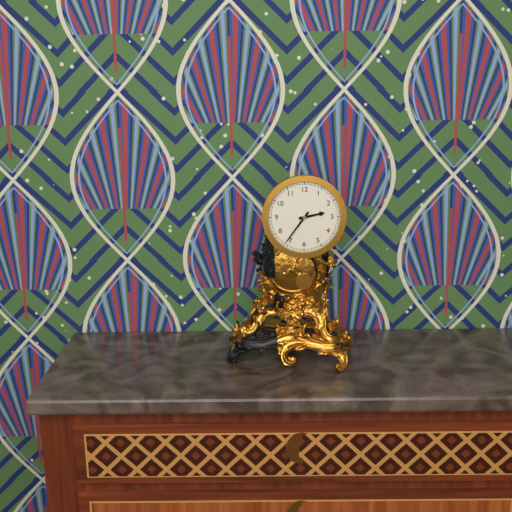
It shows 2h36
